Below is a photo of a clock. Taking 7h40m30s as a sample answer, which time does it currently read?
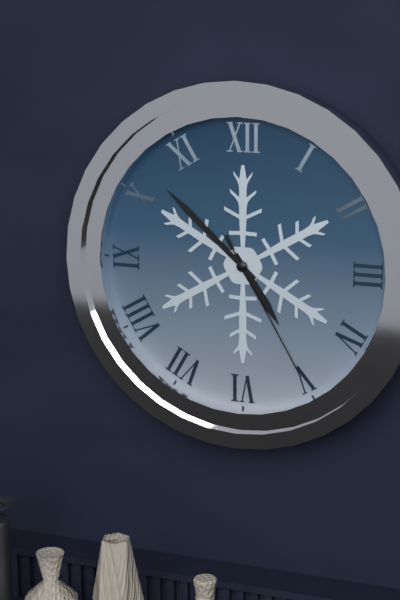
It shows 4h52m25s
